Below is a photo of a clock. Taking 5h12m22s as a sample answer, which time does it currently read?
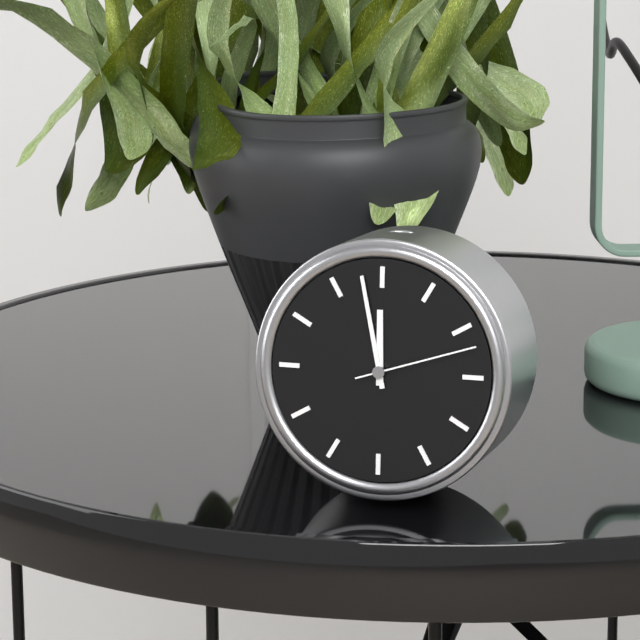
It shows 11h58m12s
